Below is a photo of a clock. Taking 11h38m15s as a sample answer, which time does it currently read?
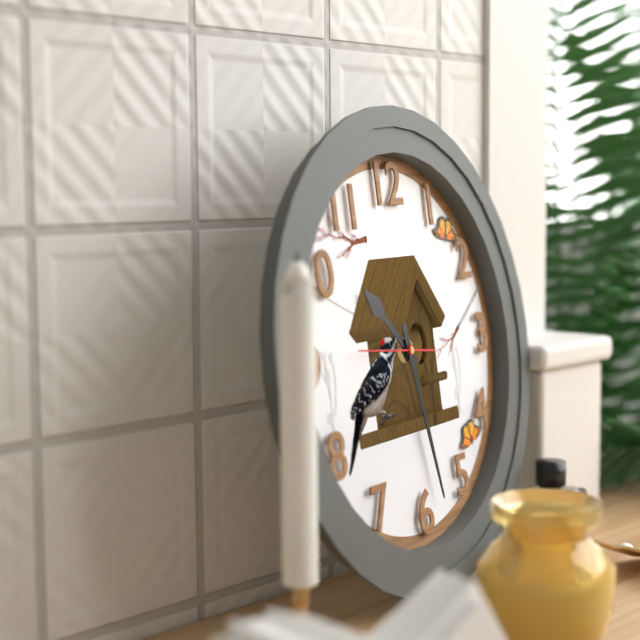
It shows 10h28m46s
